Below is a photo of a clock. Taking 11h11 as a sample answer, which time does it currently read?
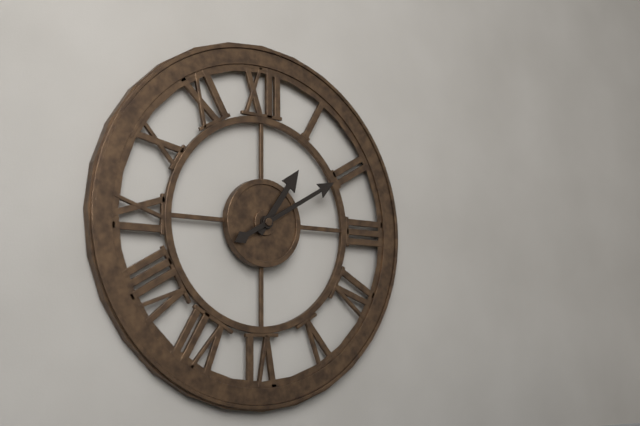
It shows 1h10
